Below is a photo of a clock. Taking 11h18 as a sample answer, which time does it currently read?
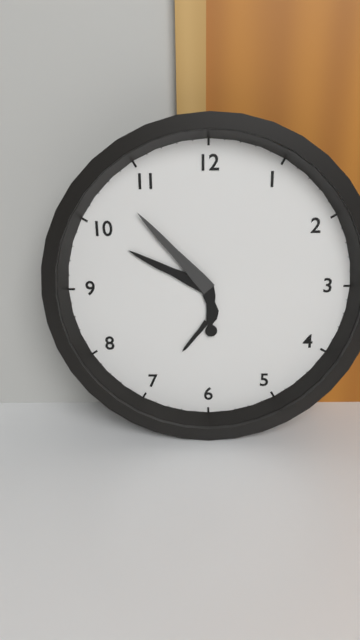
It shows 9h53
